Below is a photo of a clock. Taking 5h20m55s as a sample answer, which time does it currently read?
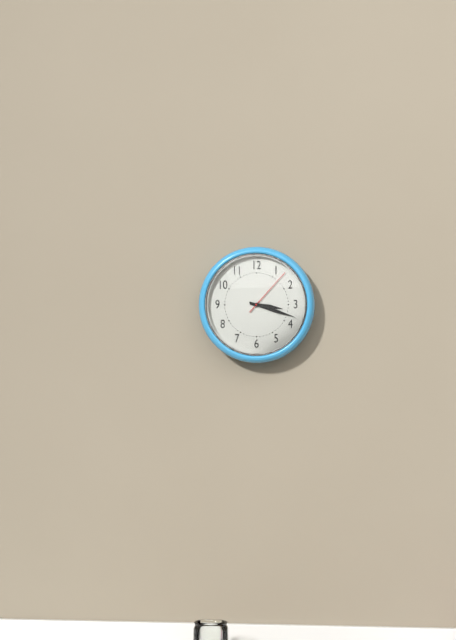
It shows 3h18m07s
